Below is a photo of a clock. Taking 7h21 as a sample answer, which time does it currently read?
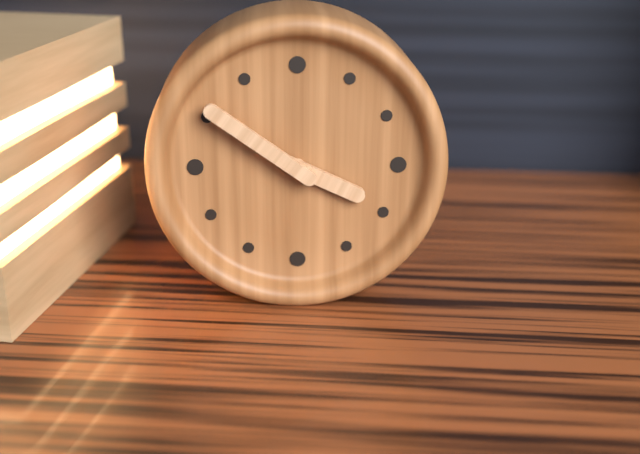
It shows 3h51
